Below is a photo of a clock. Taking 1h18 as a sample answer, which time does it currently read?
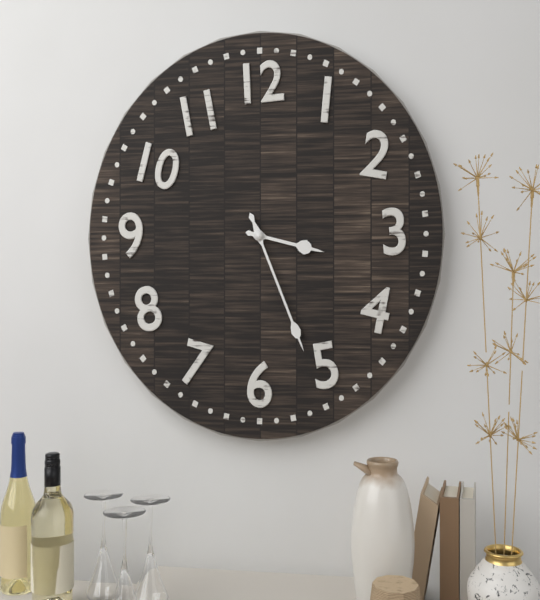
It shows 3h26
